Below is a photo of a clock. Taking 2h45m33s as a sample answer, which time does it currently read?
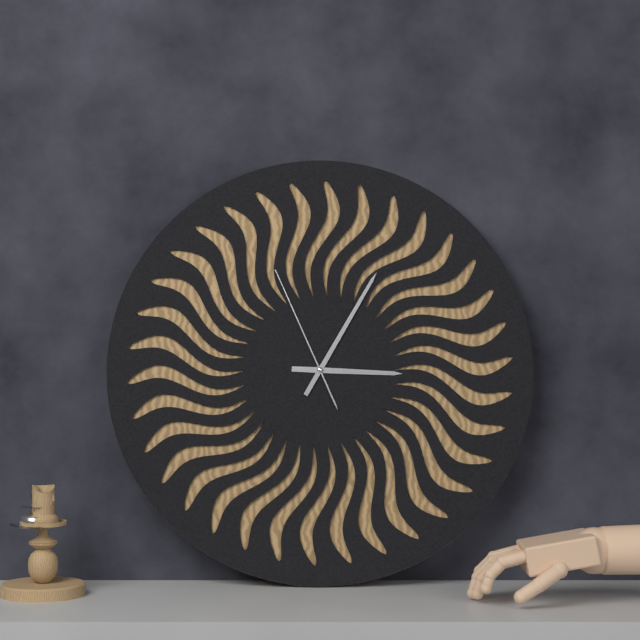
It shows 3h05m56s
